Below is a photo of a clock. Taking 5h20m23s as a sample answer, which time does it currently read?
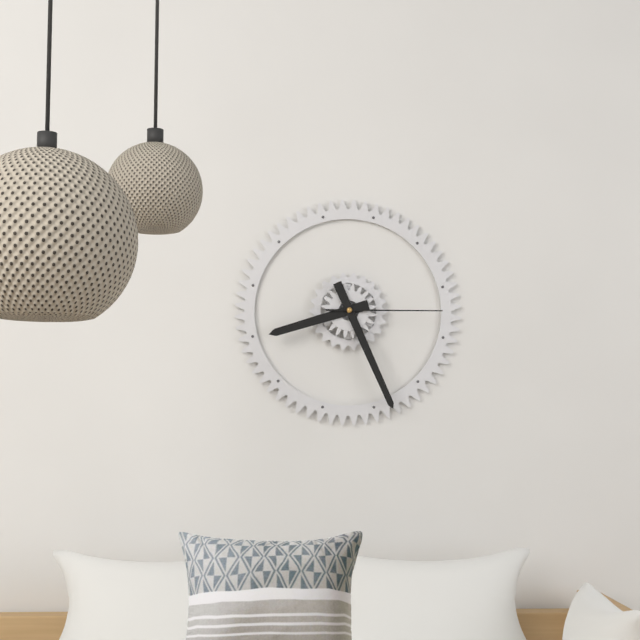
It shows 8h26m15s
